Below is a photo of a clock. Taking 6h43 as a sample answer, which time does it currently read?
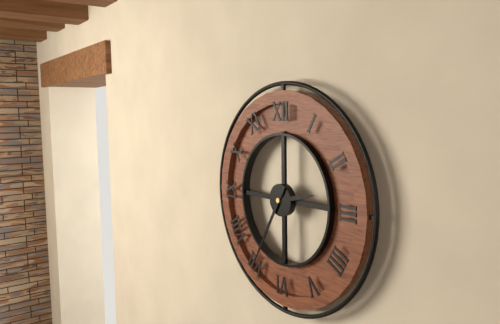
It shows 2h35
